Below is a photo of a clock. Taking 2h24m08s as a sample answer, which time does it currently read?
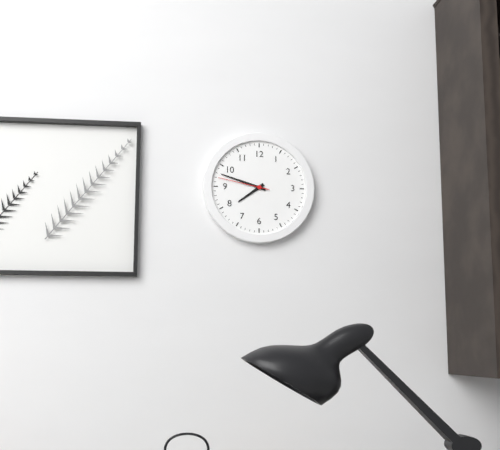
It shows 7h48m47s
